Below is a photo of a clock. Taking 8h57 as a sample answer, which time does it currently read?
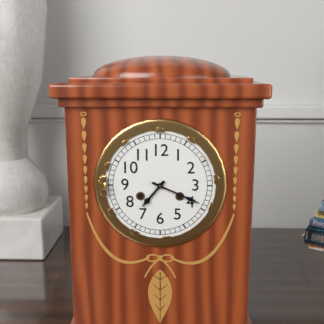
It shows 7h19
